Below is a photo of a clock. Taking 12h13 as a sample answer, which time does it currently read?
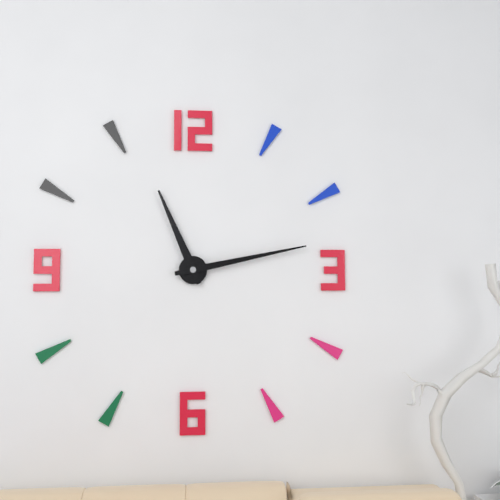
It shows 11h13
